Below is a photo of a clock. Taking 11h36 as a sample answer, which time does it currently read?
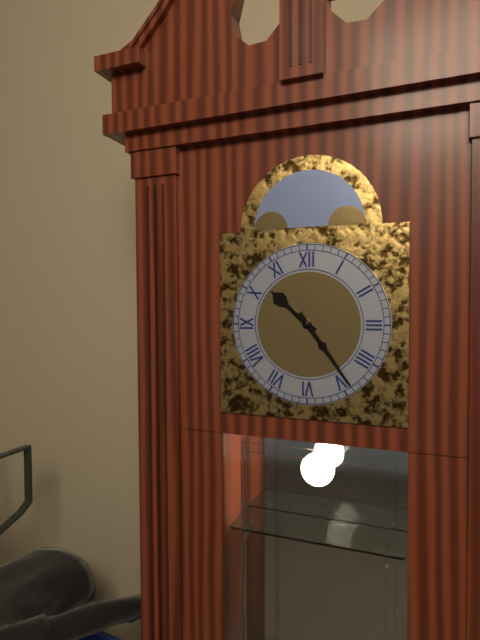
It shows 10h24
